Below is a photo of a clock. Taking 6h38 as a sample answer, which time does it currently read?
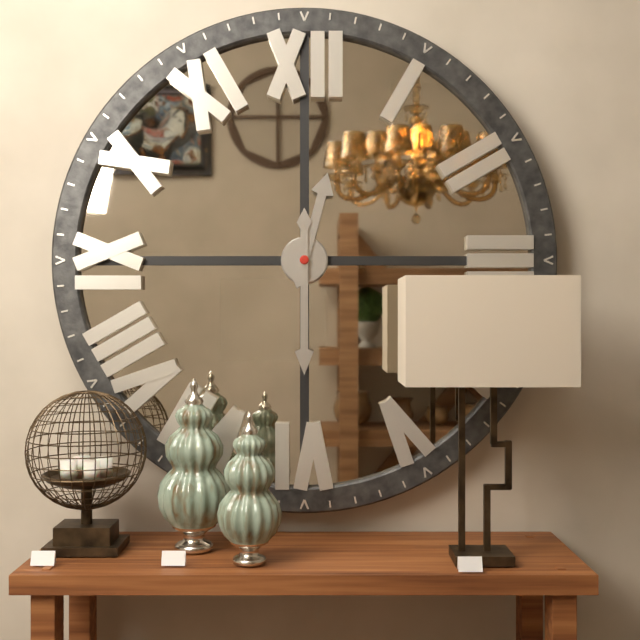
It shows 12h30
